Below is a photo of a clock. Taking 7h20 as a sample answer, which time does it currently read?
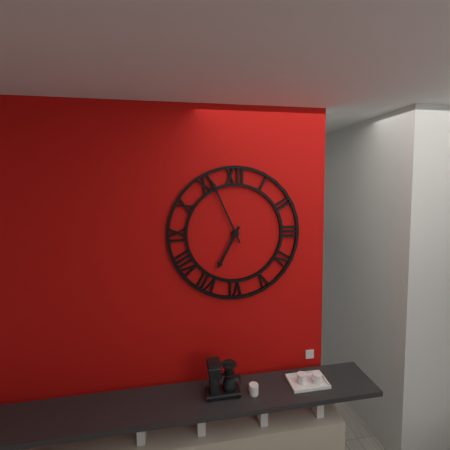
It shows 6h56
